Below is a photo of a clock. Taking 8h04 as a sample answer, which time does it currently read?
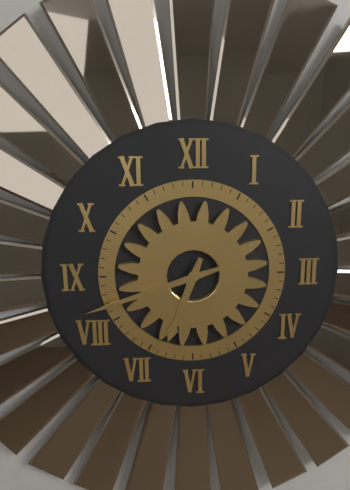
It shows 6h42
